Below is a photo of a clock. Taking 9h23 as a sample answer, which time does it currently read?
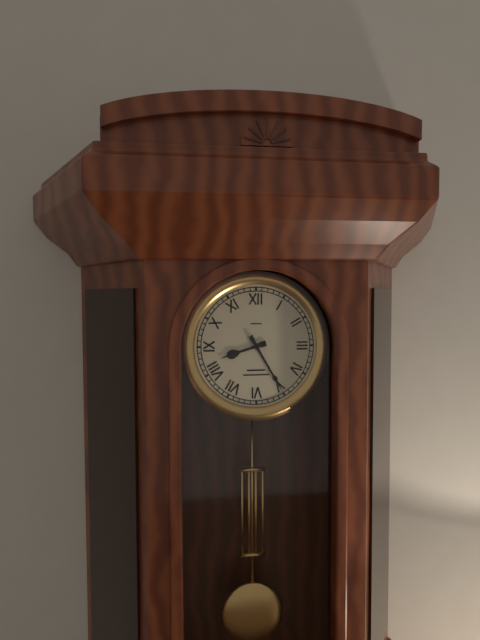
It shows 8h25
